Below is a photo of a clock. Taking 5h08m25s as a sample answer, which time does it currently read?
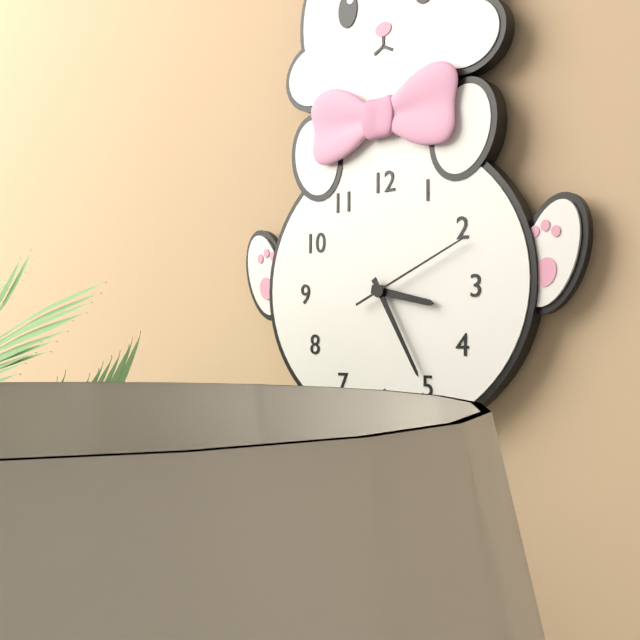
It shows 3h25m11s
